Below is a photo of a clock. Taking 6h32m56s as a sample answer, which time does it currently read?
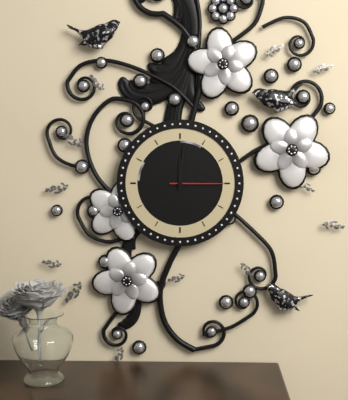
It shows 12h01m15s
